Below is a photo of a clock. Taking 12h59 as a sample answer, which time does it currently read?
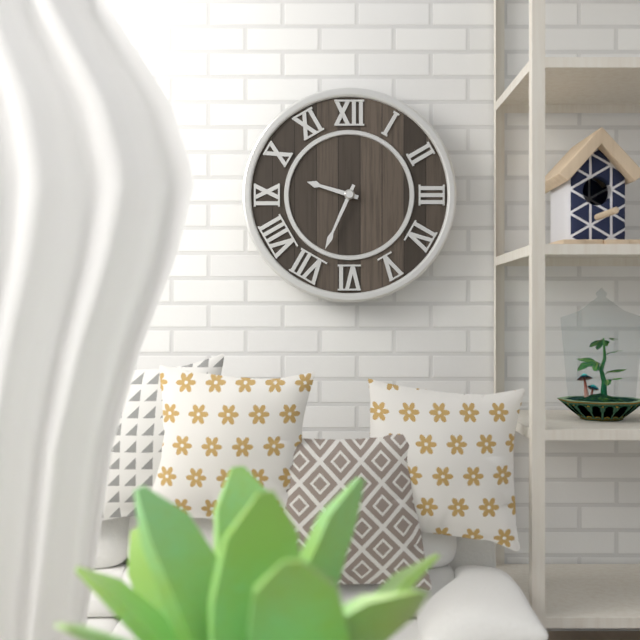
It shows 9h34
